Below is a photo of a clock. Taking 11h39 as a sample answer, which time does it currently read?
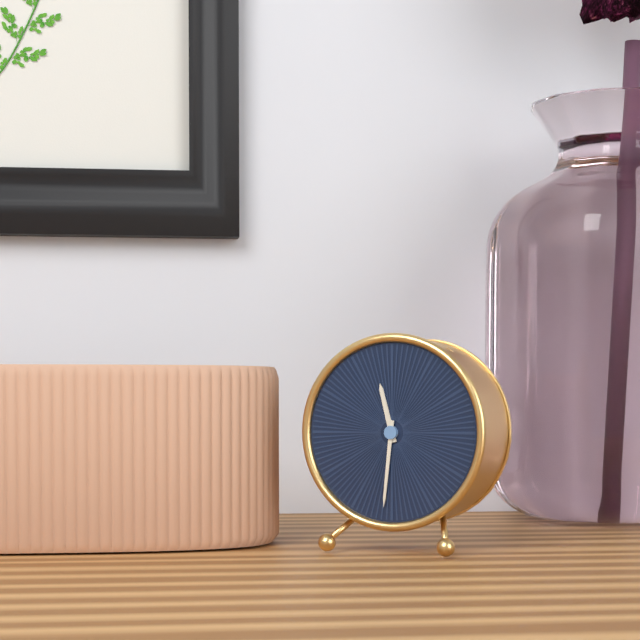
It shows 11h31
